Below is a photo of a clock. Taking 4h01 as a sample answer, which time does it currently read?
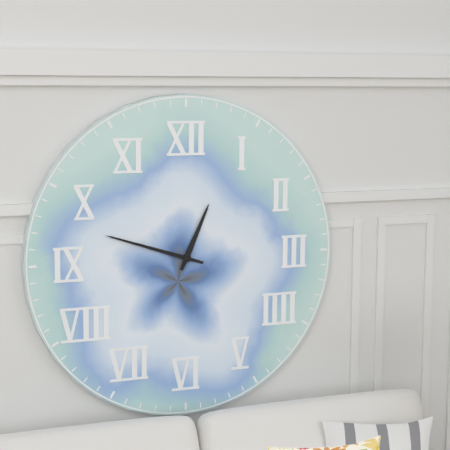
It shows 12h48
